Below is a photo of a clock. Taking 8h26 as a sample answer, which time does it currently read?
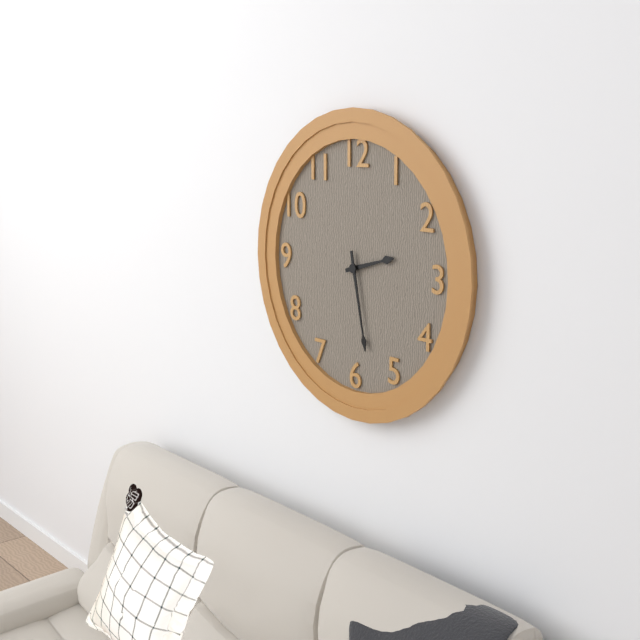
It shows 2h28
